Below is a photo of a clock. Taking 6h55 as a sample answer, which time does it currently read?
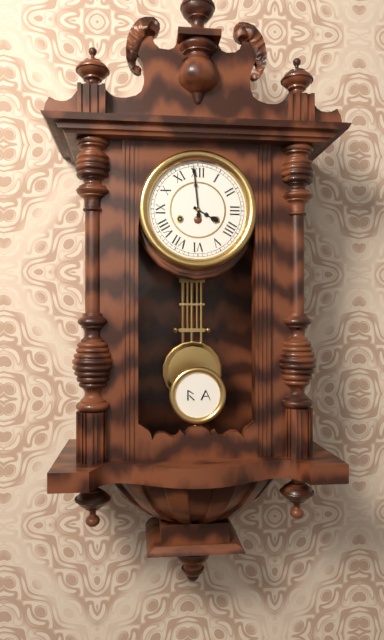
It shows 3h59
